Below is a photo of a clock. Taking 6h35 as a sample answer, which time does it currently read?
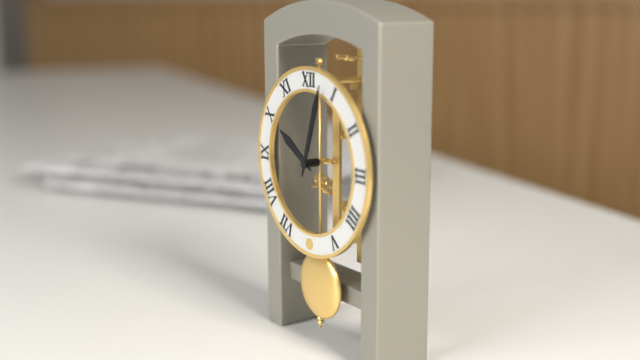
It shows 10h03
